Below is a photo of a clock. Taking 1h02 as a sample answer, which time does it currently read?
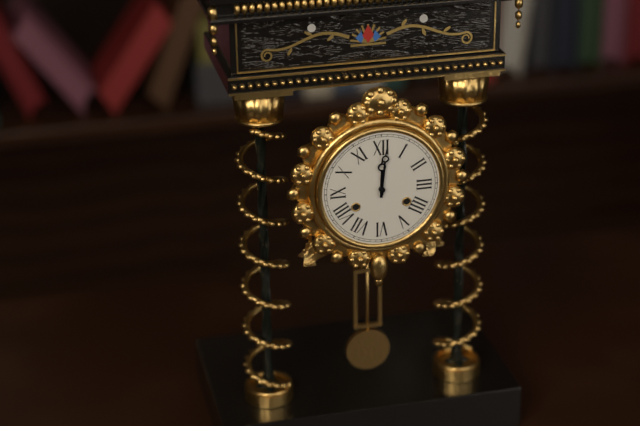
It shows 12h01
